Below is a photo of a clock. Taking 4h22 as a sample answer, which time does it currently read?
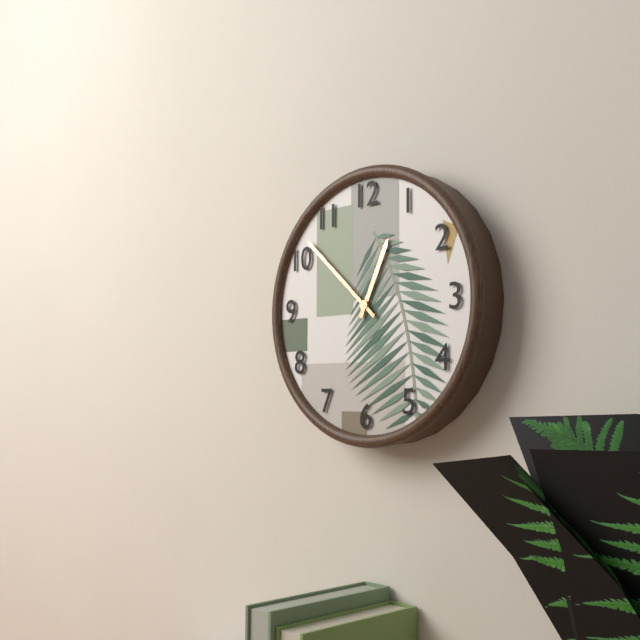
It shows 12h52
